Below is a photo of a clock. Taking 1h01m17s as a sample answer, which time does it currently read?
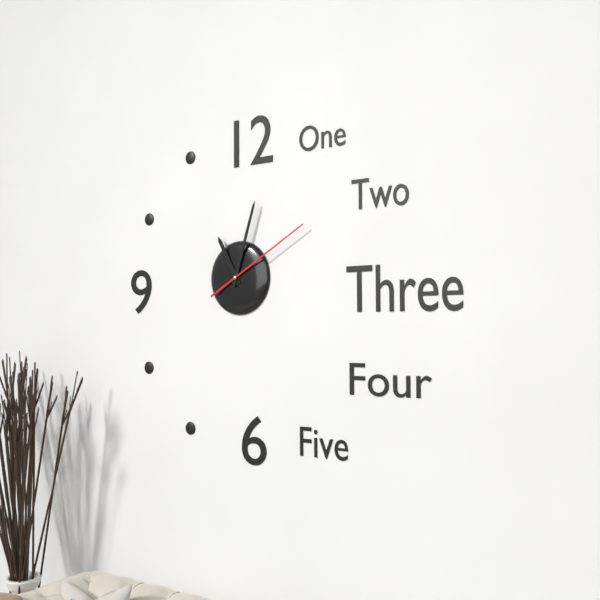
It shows 11h03m10s
